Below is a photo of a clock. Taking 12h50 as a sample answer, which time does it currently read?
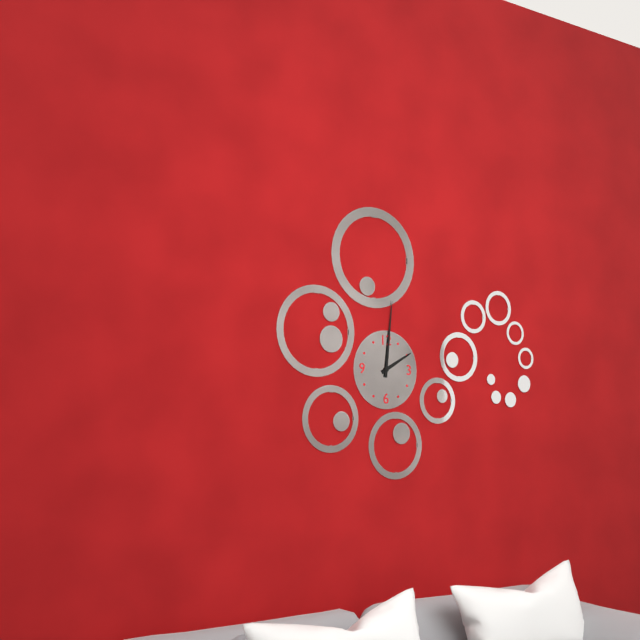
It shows 2h01
